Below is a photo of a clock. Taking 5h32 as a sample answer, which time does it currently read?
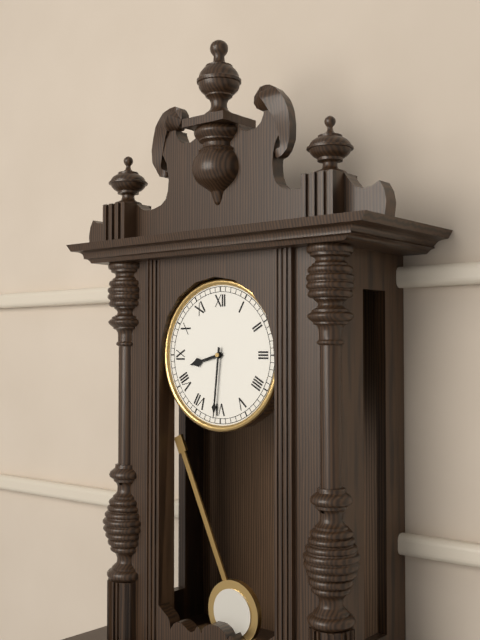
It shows 8h31
